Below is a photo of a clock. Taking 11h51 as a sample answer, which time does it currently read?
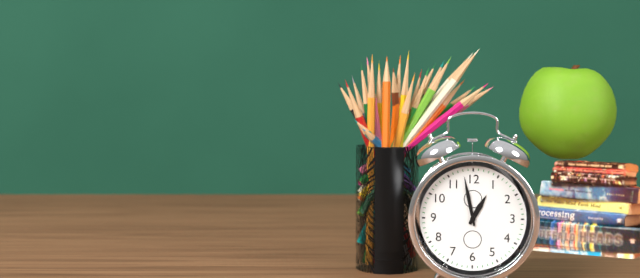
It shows 12h58
